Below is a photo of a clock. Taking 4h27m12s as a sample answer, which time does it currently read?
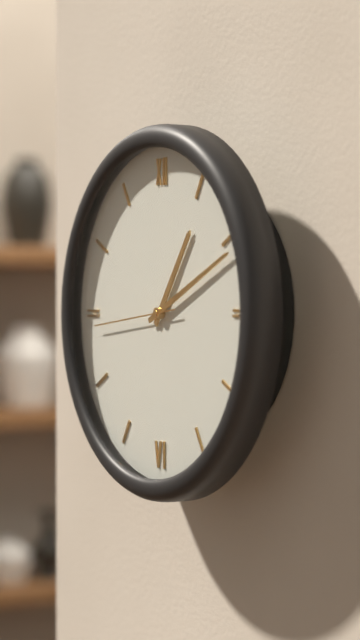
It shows 1h11m44s
